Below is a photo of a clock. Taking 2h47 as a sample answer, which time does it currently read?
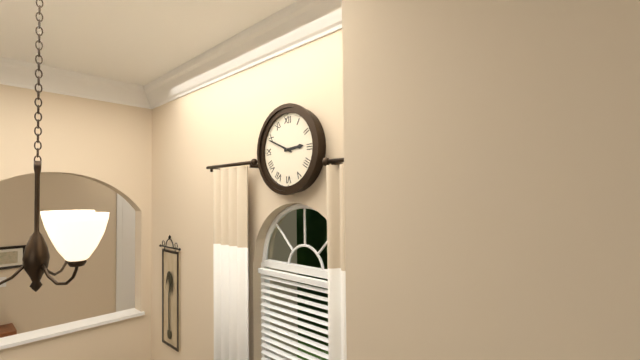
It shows 2h49
